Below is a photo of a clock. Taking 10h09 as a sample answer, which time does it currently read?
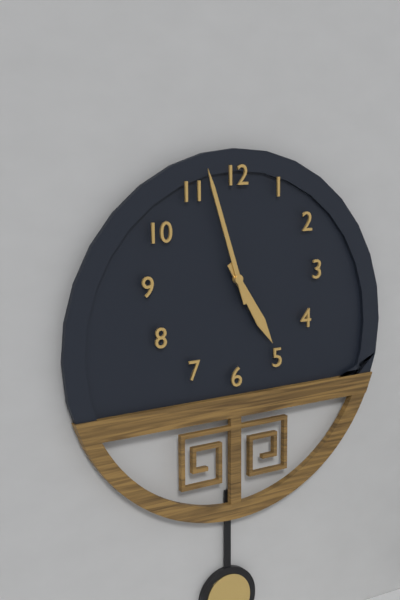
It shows 4h57
